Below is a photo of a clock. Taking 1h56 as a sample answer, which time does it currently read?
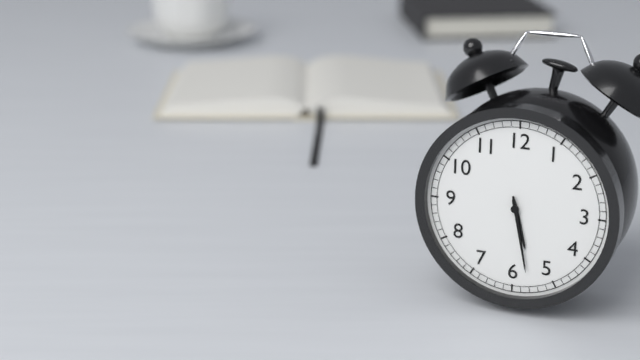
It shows 5h28
